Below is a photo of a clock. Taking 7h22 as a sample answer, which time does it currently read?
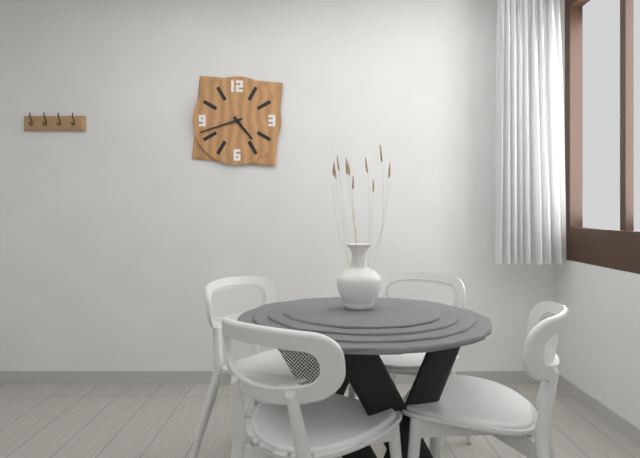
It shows 4h42
